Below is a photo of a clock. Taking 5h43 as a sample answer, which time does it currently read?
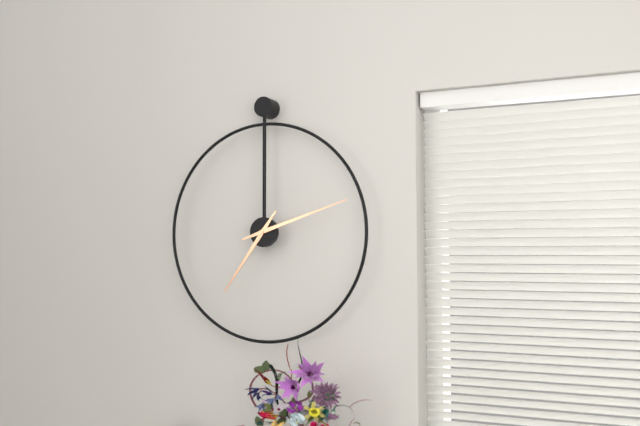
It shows 7h12
